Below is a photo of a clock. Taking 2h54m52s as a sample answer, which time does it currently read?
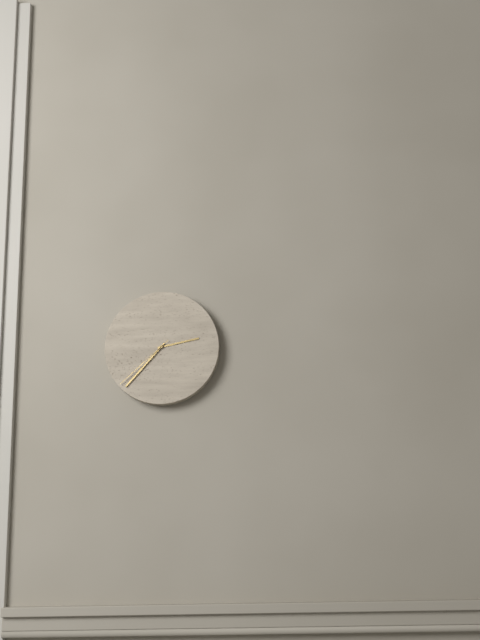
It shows 2h37m38s
